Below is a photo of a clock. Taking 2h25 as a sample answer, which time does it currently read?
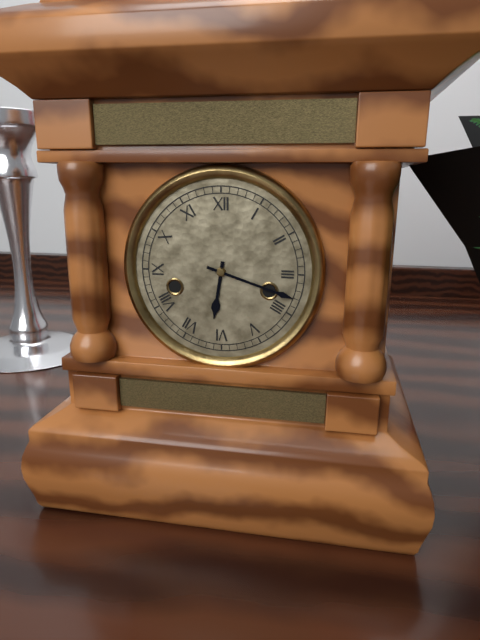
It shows 6h18
